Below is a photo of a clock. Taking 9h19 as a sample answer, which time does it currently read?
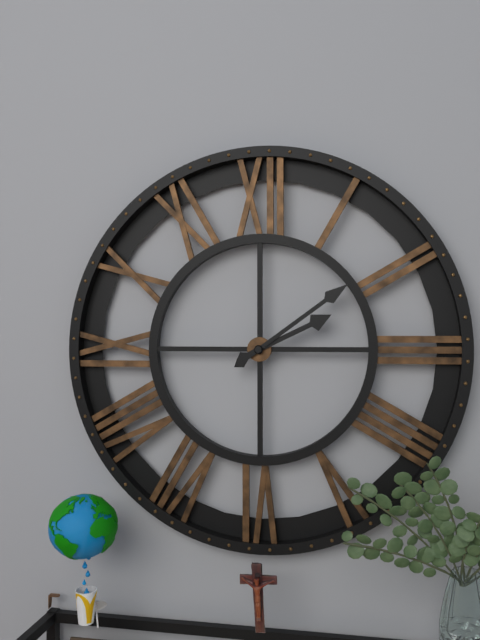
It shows 2h09
